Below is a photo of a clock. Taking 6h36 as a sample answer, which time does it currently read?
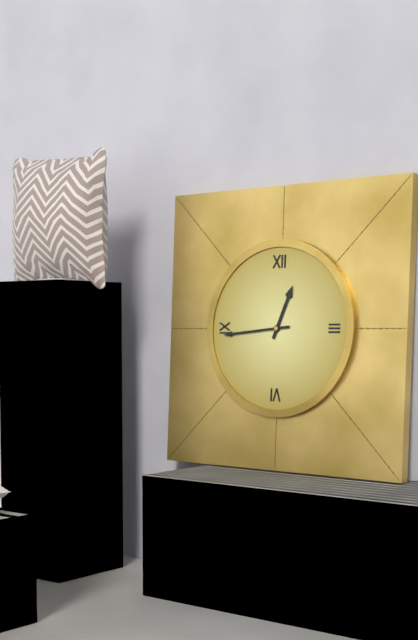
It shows 12h44
